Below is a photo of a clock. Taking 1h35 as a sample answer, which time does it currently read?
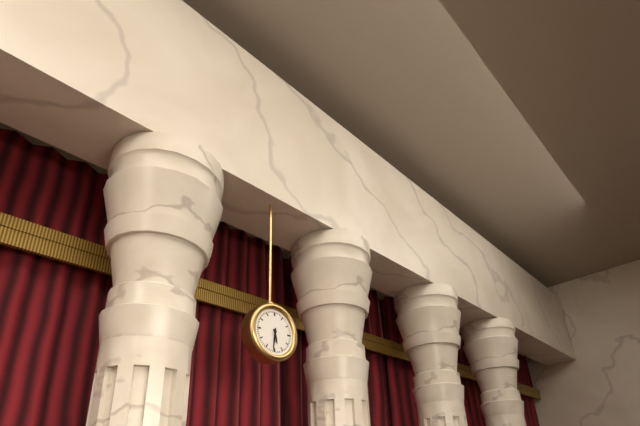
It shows 5h31
